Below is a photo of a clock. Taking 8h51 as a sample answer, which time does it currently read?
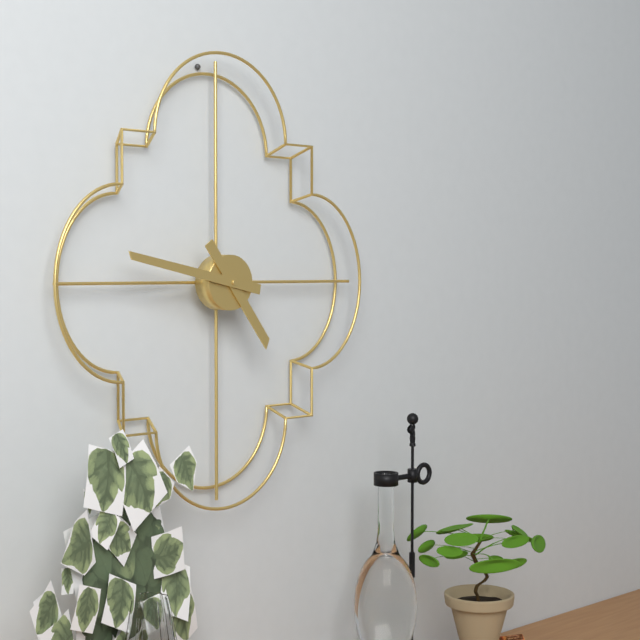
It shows 4h47
